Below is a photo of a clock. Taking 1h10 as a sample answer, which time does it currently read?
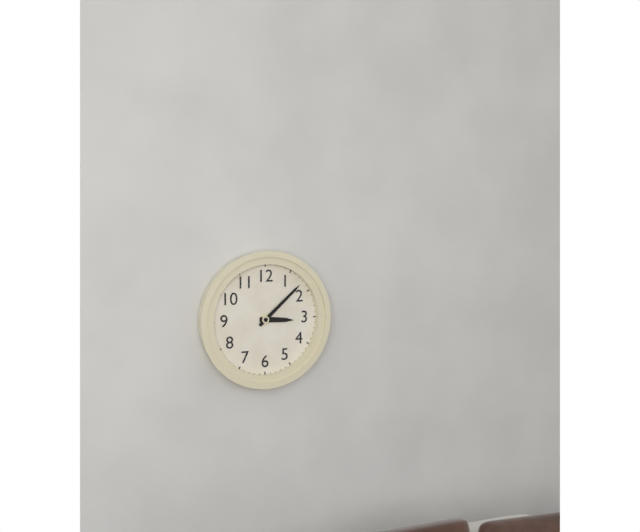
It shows 3h08
